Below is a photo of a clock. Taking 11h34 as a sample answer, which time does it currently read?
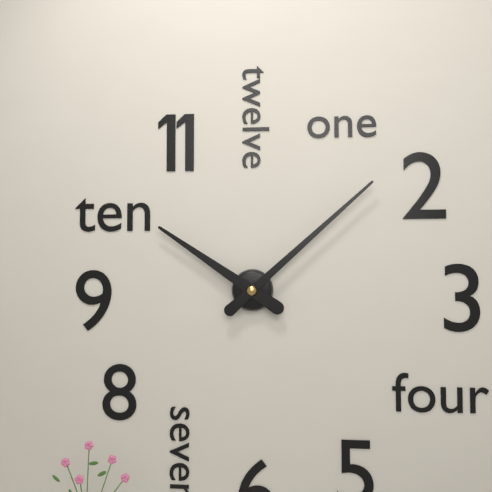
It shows 10h08
